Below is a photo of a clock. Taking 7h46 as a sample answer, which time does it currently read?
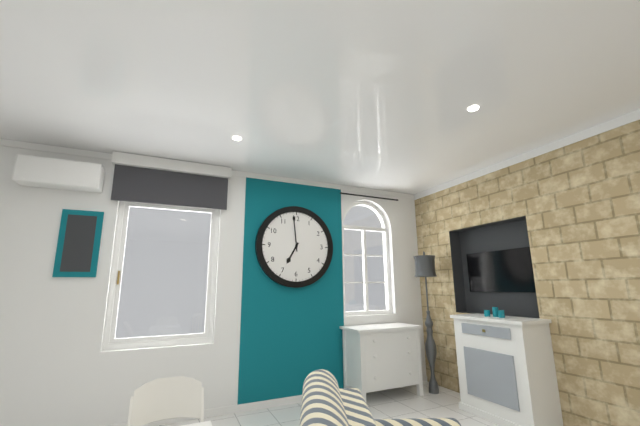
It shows 6h59
